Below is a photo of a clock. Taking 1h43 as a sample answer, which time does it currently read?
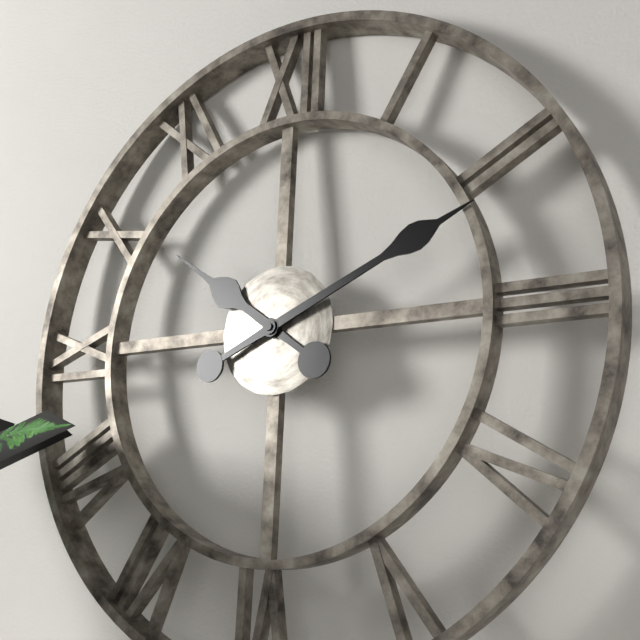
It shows 10h11
